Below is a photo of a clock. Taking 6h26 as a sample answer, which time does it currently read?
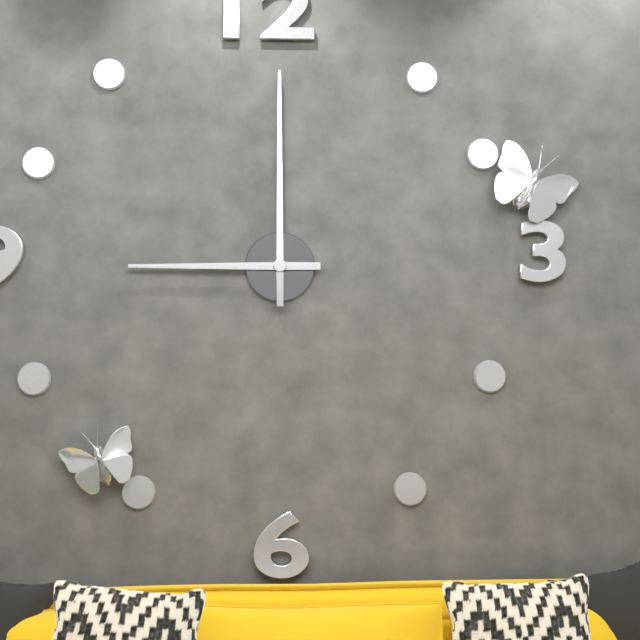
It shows 9h00
